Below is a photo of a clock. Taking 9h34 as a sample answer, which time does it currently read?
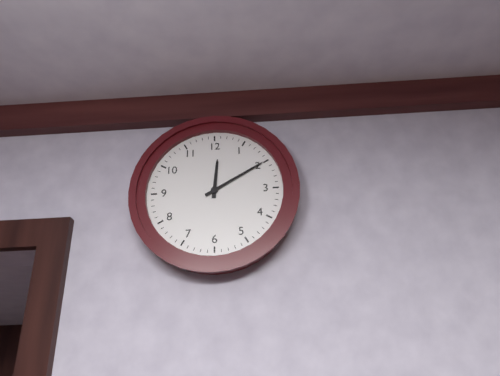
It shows 12h10
